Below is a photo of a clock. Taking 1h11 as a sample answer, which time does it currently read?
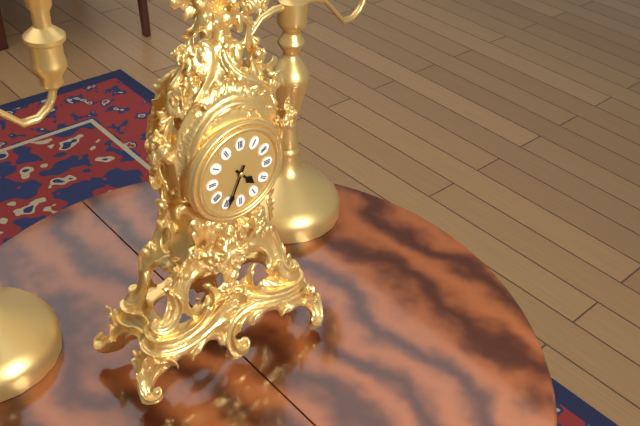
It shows 4h34
